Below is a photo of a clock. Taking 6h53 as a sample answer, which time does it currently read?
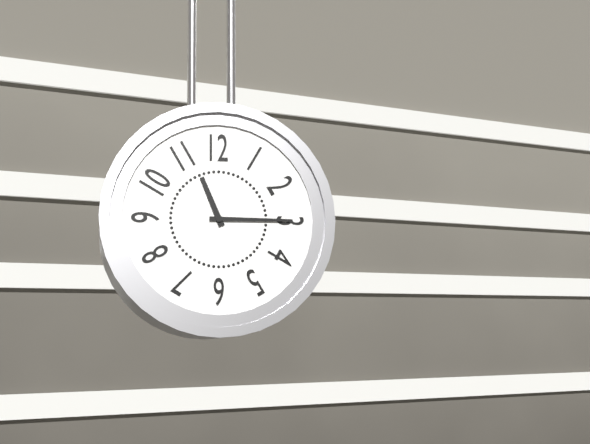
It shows 11h15
